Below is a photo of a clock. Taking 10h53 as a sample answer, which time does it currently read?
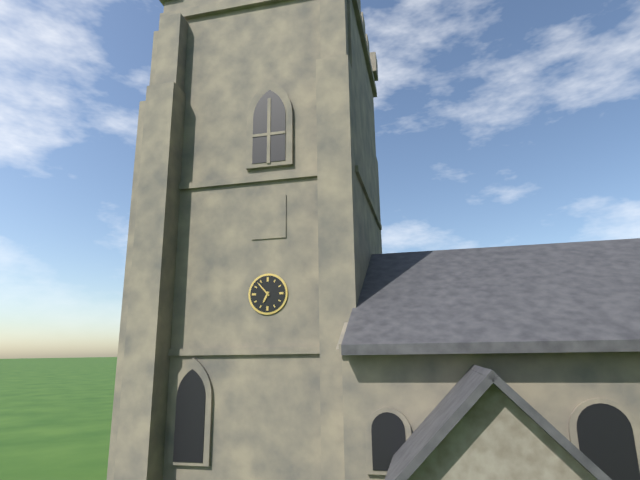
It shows 6h53
